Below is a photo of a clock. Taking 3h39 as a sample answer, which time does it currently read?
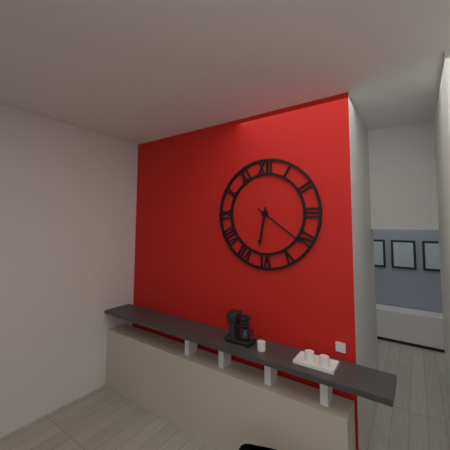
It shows 6h21
